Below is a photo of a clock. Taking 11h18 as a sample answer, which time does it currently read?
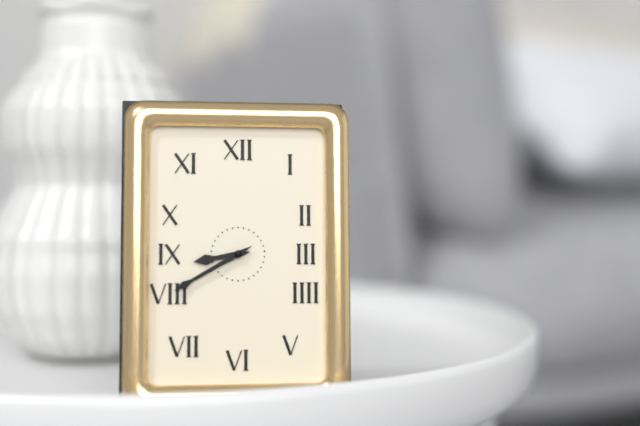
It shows 8h40
